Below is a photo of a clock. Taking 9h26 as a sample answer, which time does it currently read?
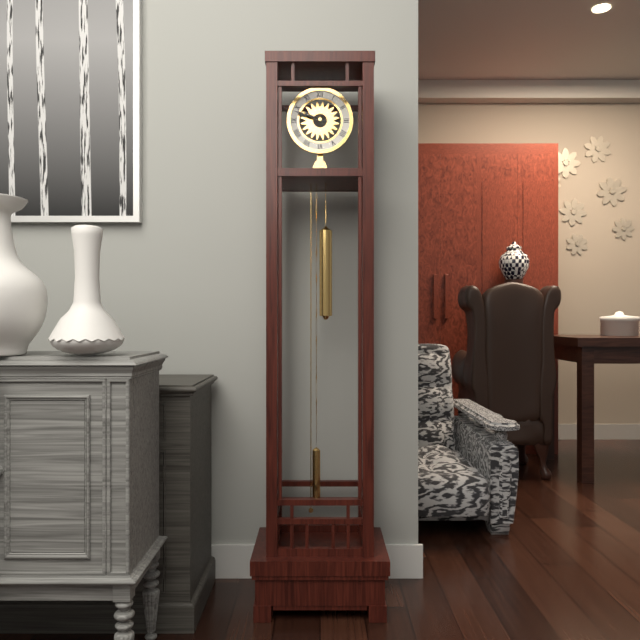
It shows 9h48
